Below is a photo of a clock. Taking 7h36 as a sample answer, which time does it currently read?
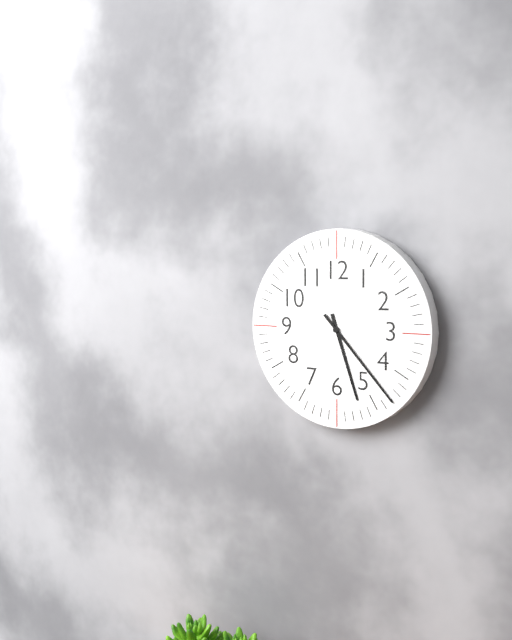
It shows 5h23
